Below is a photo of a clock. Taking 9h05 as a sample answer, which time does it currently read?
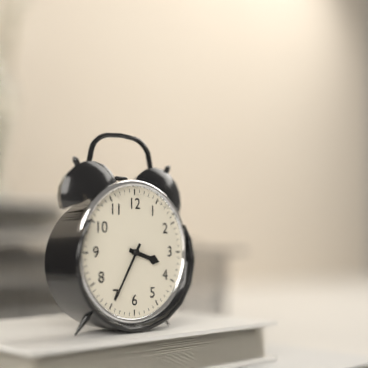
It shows 3h35
